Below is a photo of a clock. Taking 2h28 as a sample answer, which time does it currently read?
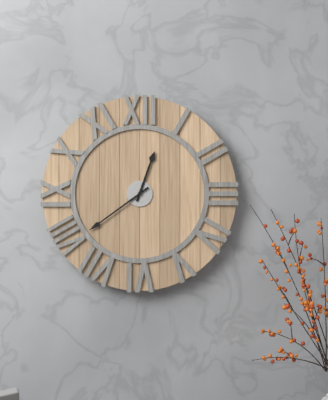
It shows 12h39
